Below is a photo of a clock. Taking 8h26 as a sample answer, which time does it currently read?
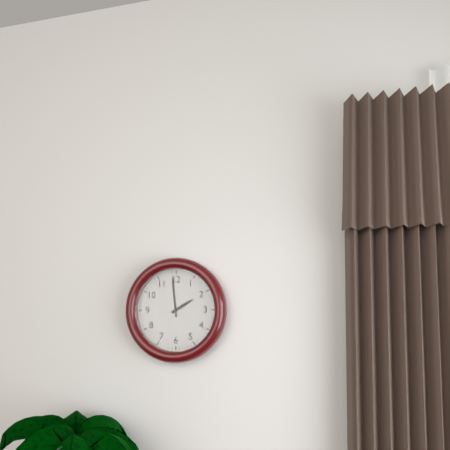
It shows 1h59
